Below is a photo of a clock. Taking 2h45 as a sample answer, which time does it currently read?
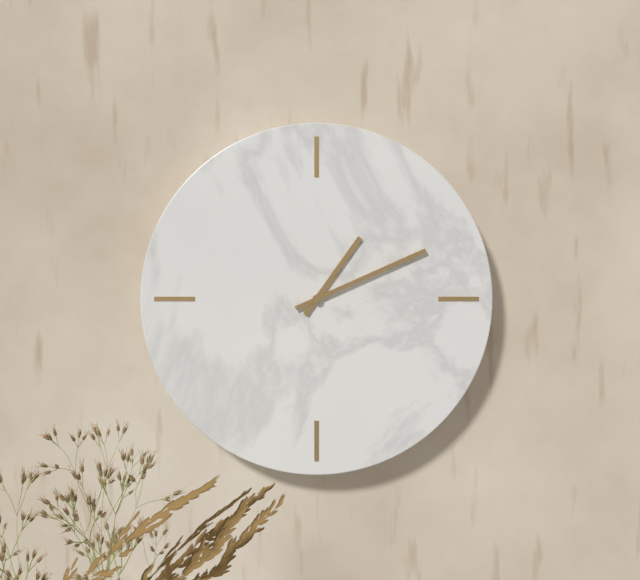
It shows 1h11
